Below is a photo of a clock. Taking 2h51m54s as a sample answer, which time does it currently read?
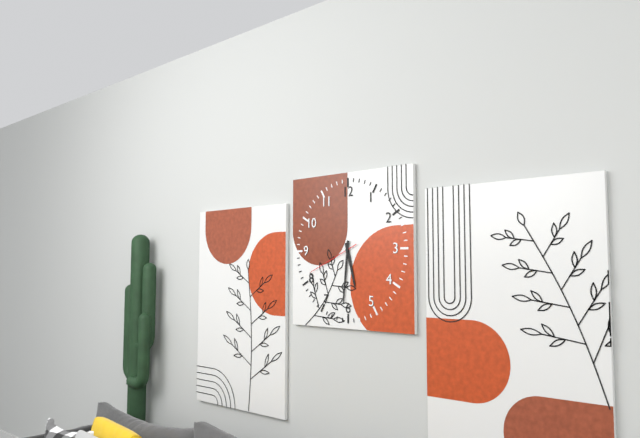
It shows 5h31m41s
